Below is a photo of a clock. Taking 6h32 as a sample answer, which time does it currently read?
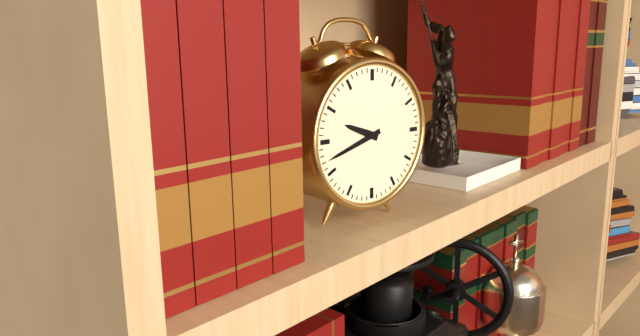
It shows 9h42
